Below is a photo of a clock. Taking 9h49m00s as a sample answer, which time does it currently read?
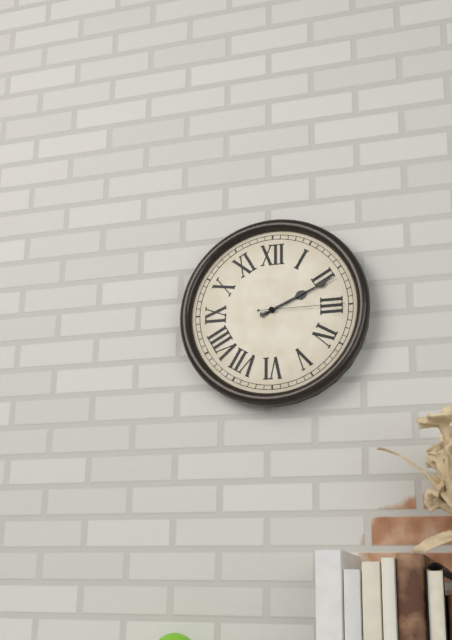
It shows 2h11m15s
